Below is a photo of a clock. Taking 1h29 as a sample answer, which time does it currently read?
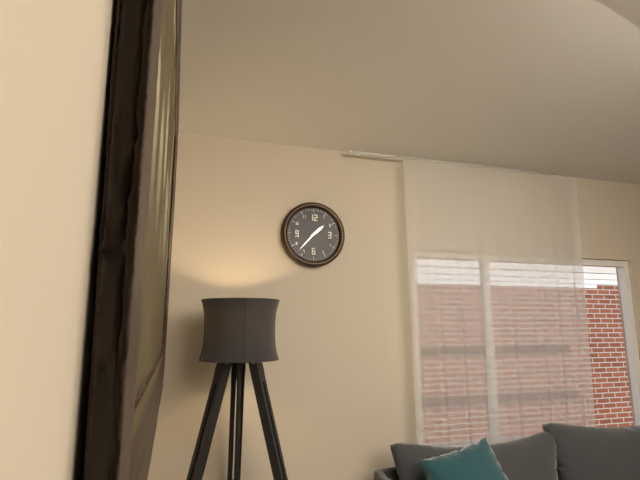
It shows 1h37
